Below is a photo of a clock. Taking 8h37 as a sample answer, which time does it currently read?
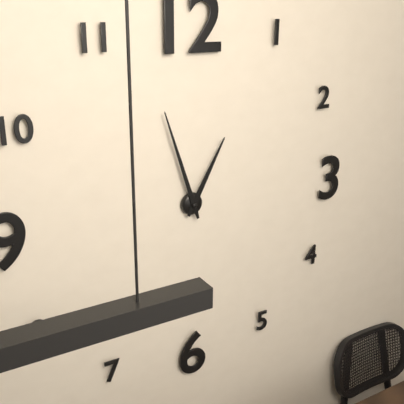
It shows 12h57
